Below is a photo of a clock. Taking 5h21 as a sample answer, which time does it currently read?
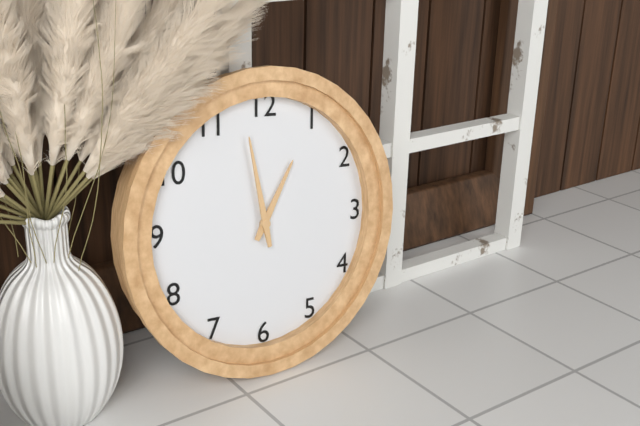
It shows 12h58
